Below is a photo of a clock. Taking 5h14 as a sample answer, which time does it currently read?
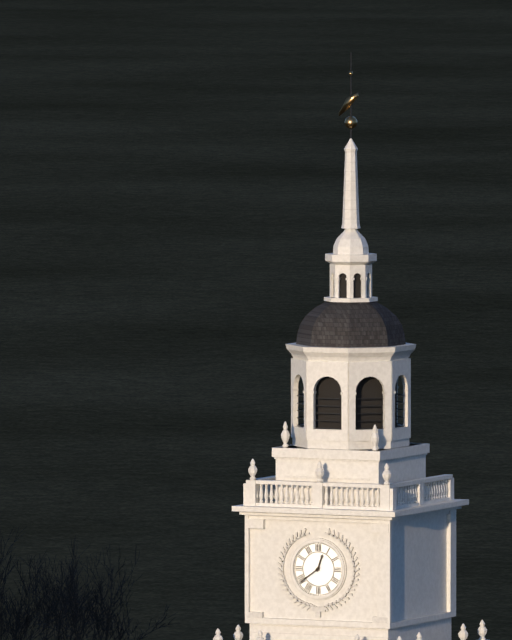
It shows 12h39
